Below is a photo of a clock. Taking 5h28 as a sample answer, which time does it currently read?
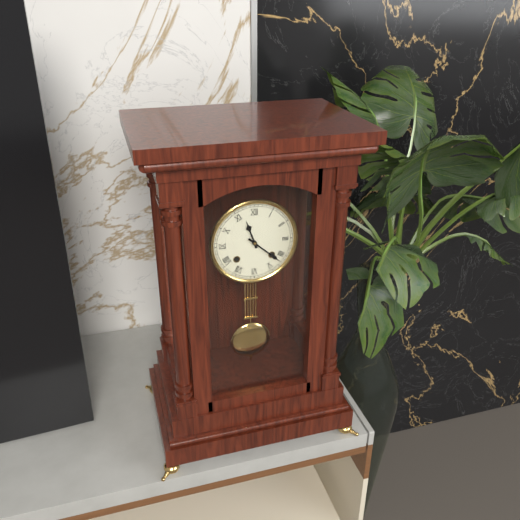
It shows 11h22
